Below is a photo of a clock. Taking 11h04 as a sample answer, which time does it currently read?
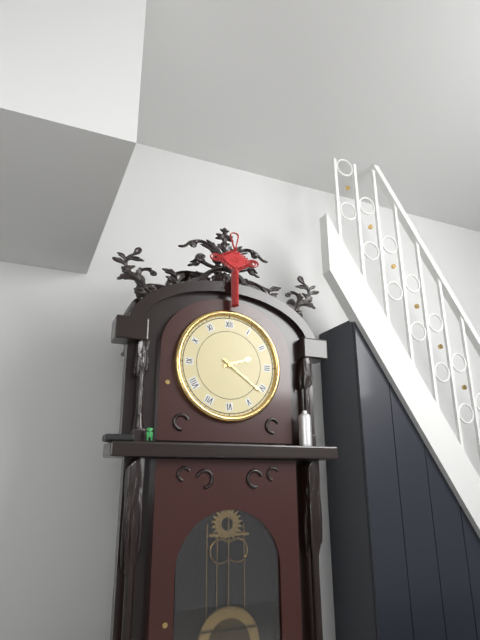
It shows 2h21
